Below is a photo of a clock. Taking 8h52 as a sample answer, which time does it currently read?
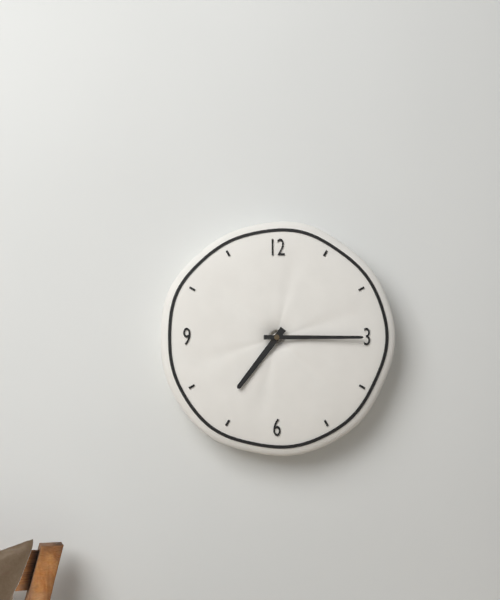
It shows 7h15
